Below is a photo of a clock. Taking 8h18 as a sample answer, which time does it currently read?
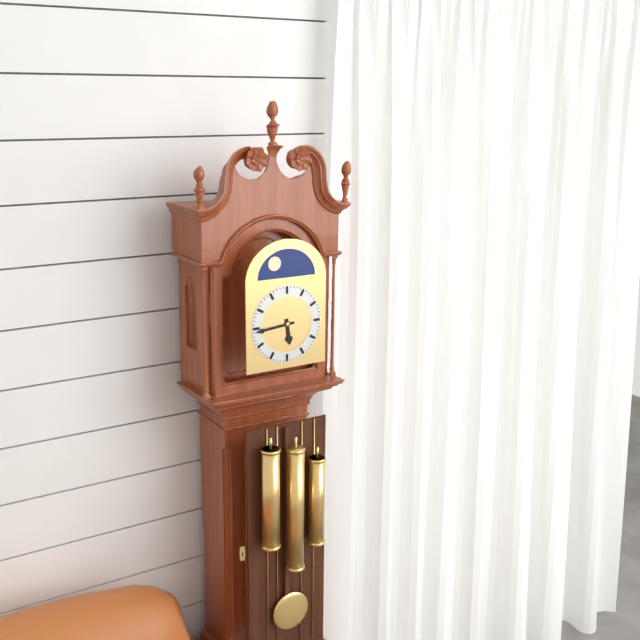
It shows 5h44
